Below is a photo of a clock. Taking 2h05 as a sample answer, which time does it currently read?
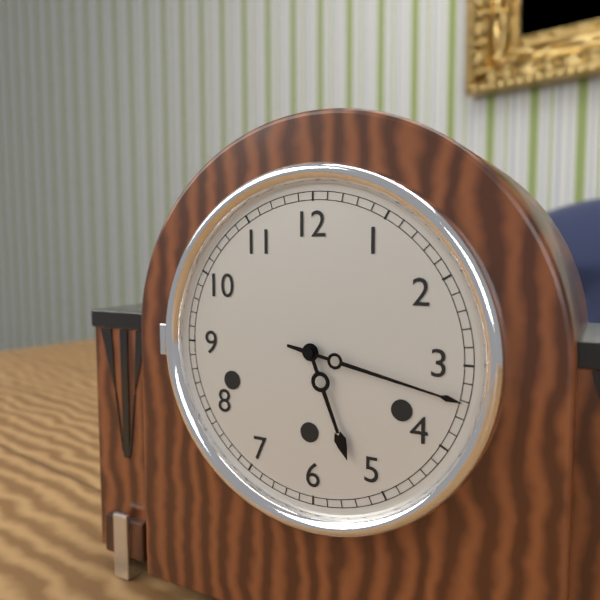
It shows 5h17
